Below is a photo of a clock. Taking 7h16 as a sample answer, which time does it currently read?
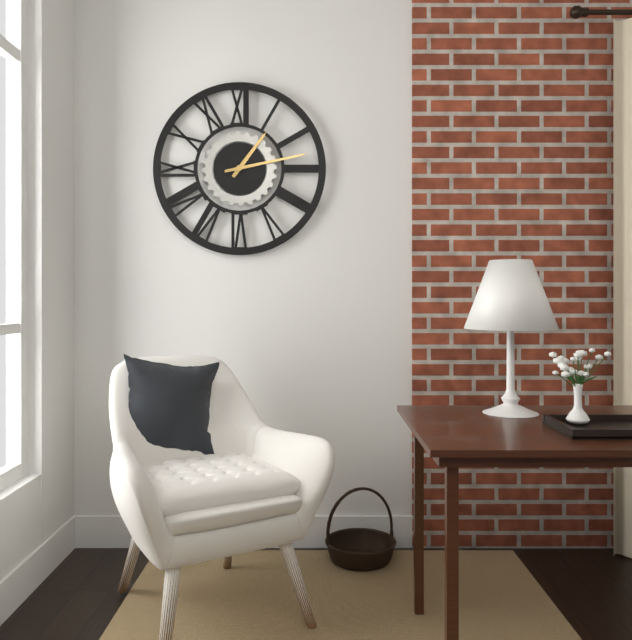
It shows 1h13
